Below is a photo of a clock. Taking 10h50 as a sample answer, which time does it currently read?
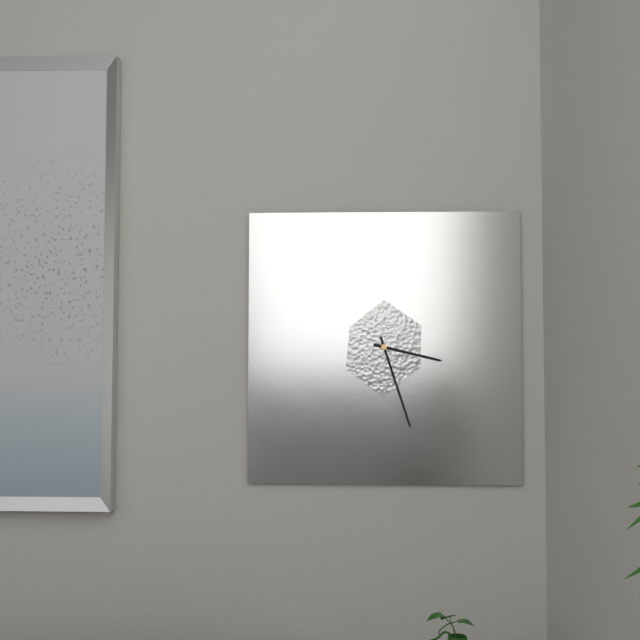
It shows 3h27
